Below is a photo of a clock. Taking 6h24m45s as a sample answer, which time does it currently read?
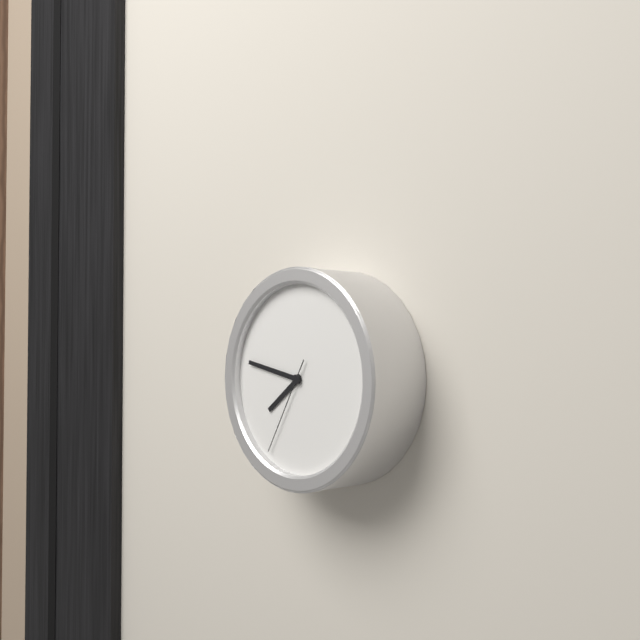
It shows 7h47m35s
